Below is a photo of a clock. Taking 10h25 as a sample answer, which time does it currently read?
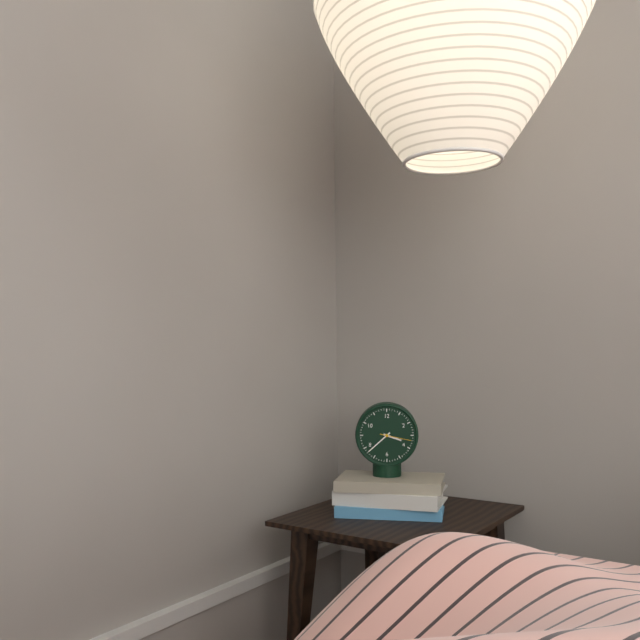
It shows 3h38
